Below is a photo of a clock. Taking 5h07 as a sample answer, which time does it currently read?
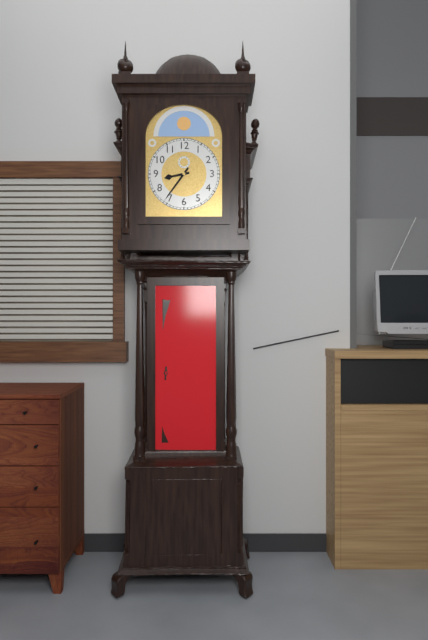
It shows 8h36
